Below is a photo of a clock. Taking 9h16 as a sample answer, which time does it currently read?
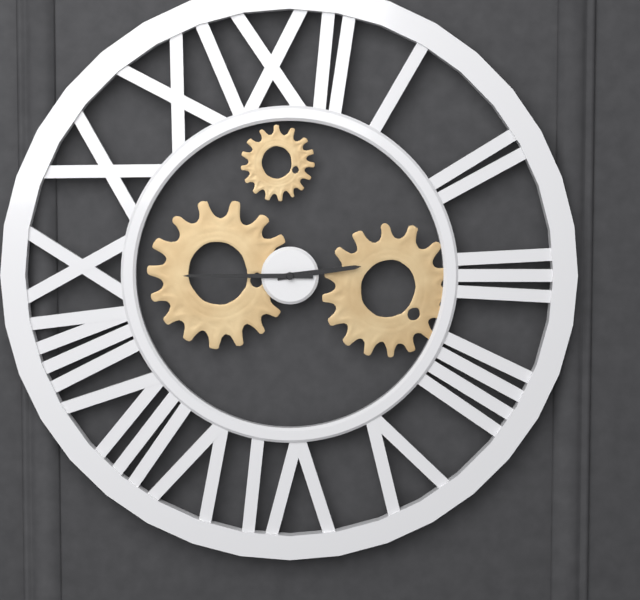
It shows 2h45
